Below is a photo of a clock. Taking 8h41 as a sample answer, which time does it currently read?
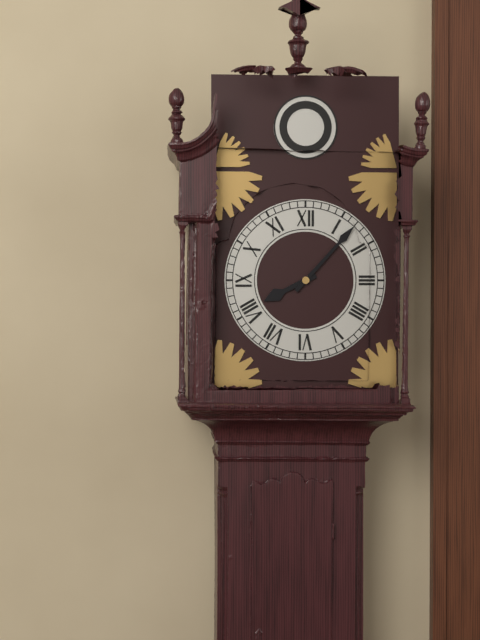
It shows 8h07
